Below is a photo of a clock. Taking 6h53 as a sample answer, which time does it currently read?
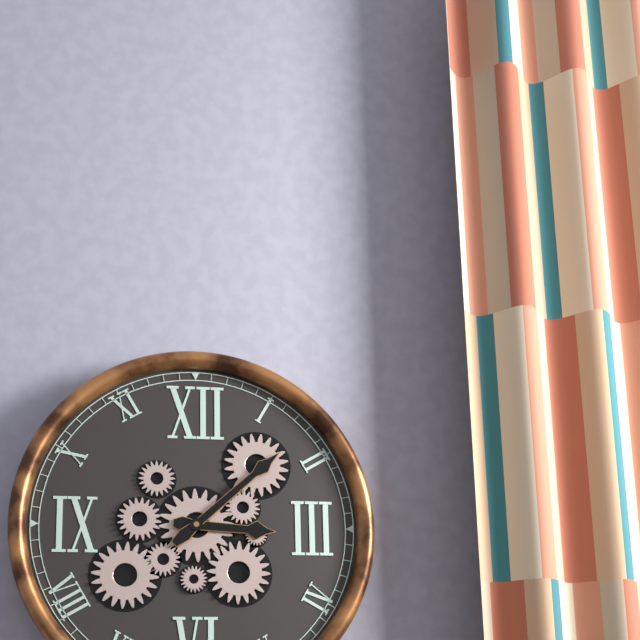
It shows 3h08
